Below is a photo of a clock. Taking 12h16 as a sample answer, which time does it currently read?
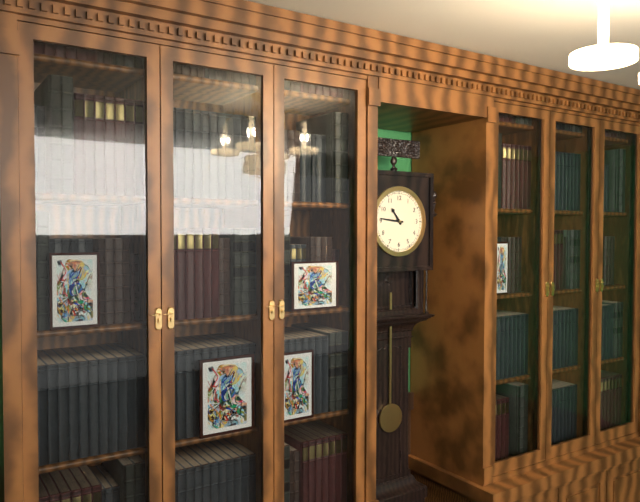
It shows 10h46
